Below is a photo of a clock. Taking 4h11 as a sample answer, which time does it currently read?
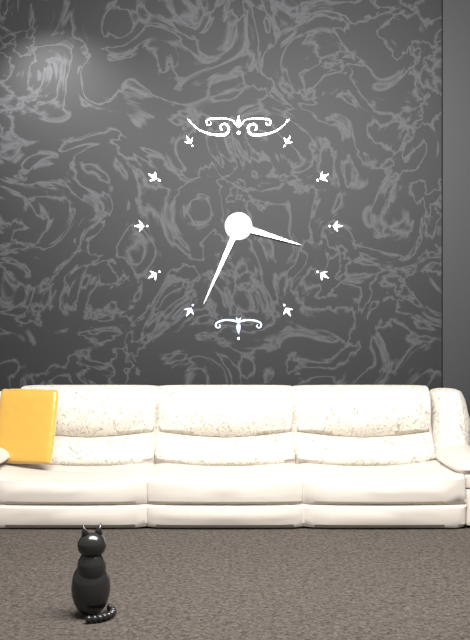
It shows 3h34
